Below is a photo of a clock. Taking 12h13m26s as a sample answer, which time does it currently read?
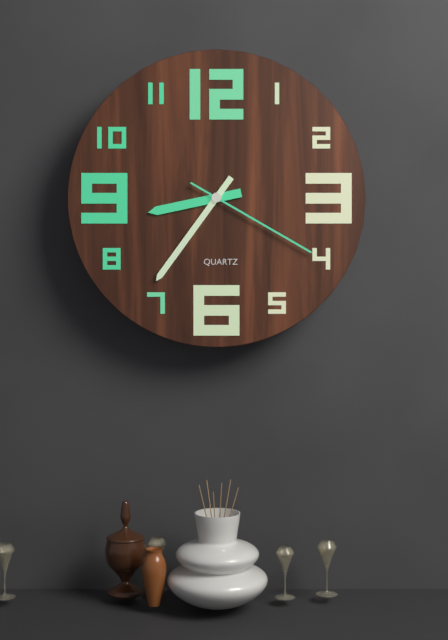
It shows 8h36m20s
